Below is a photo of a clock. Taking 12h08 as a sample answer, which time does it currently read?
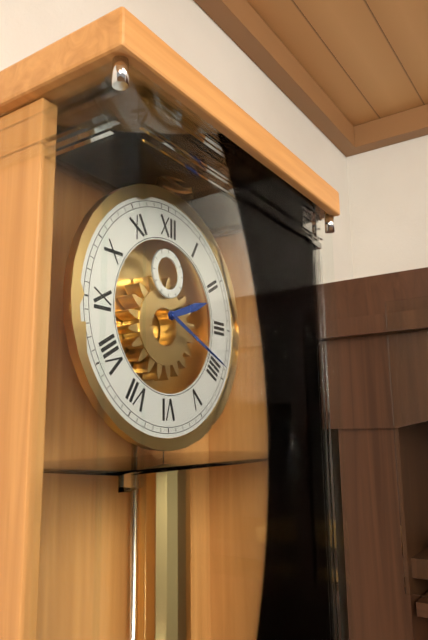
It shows 2h19
